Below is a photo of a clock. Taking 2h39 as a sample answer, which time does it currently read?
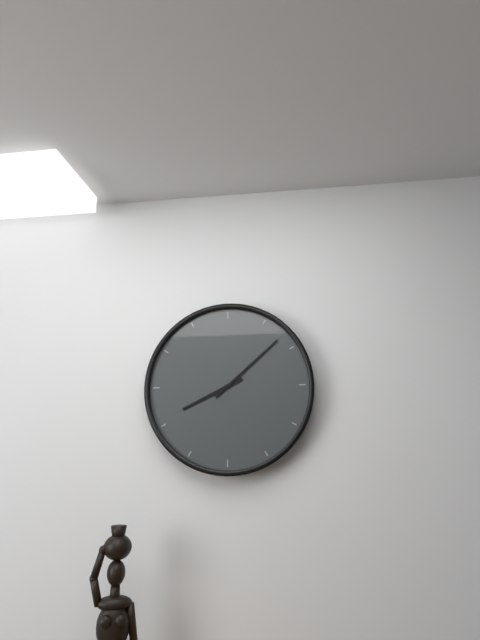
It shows 8h08
